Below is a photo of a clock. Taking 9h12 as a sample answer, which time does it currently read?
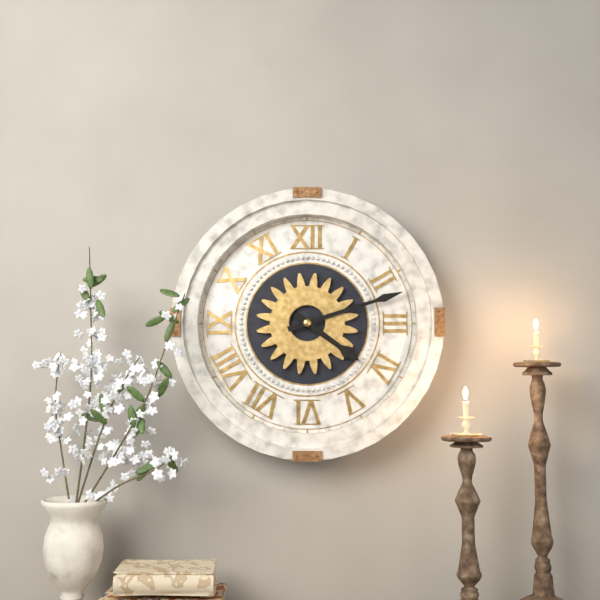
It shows 4h12
